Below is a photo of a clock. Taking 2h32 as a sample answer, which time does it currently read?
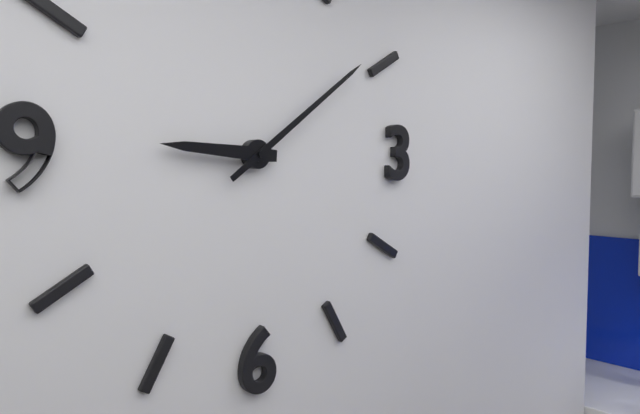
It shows 9h09
